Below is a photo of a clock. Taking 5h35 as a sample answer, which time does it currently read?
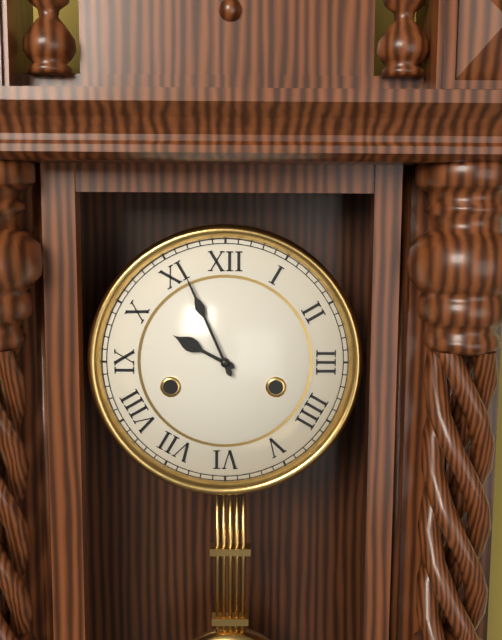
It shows 9h56
